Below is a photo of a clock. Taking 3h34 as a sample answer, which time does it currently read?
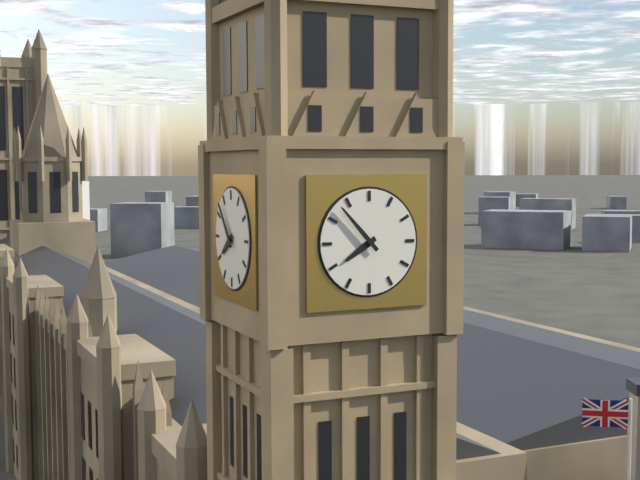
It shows 7h53
